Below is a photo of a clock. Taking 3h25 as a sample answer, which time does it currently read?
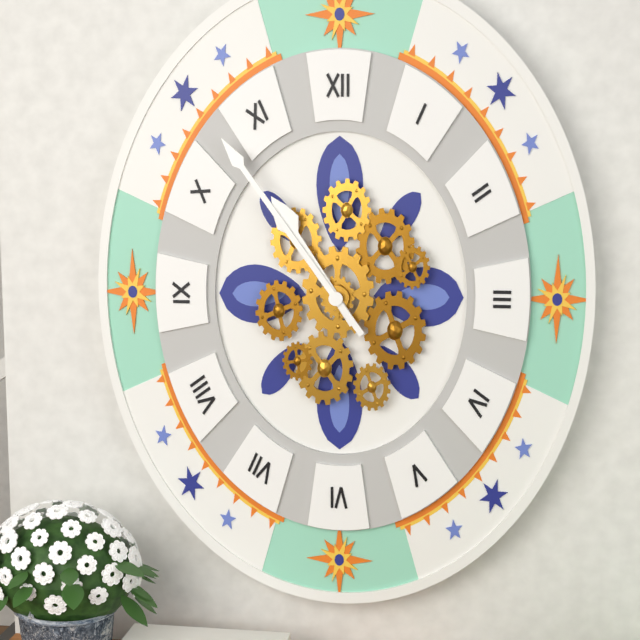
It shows 10h54
